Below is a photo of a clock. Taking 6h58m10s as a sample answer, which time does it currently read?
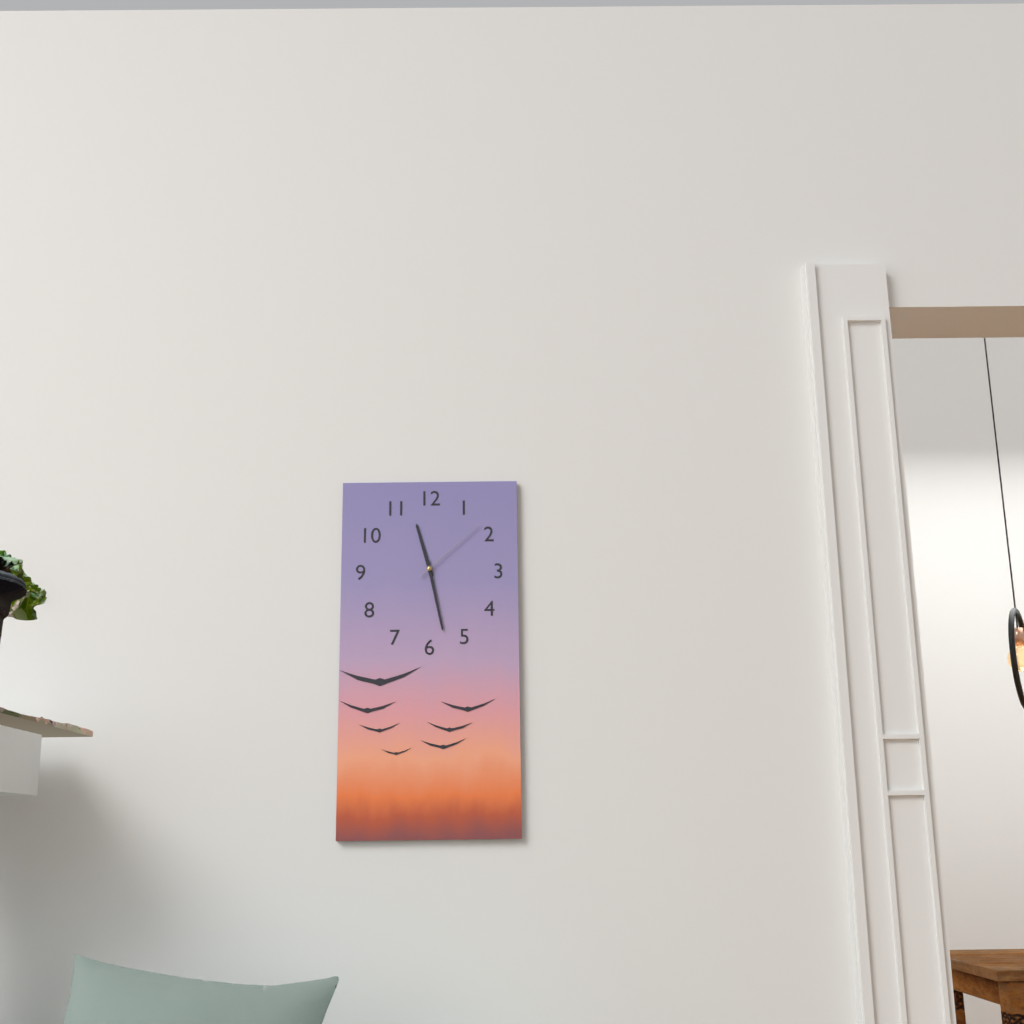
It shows 11h28m08s
